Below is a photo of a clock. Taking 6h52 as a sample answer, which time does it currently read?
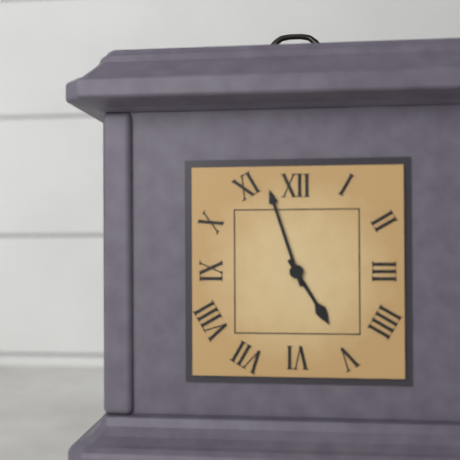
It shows 4h57
